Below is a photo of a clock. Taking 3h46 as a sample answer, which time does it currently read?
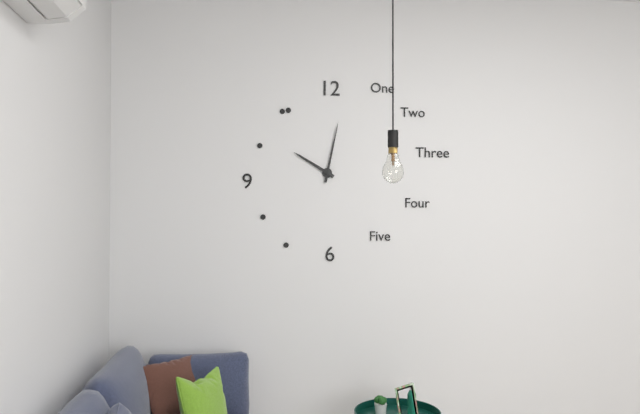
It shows 10h02
